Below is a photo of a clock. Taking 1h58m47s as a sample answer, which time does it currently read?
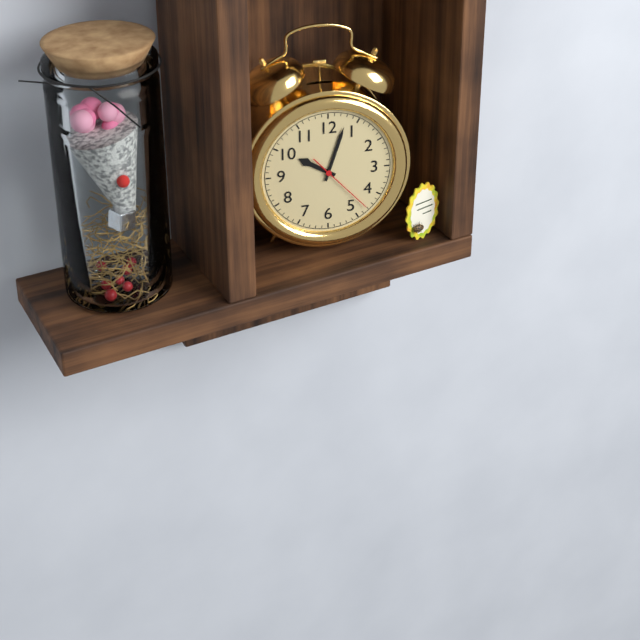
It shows 10h03m23s
